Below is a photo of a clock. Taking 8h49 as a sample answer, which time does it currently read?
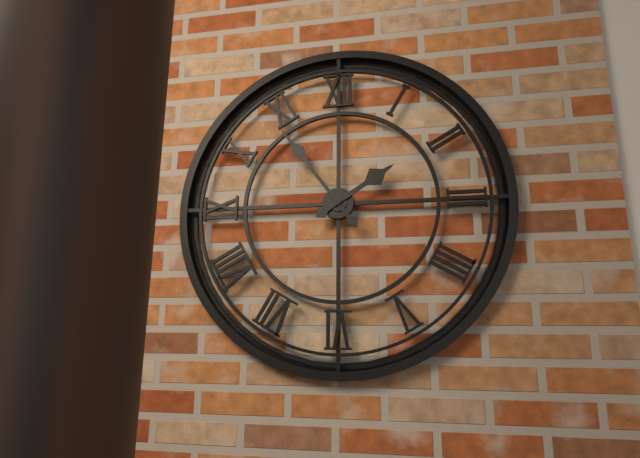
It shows 1h54
